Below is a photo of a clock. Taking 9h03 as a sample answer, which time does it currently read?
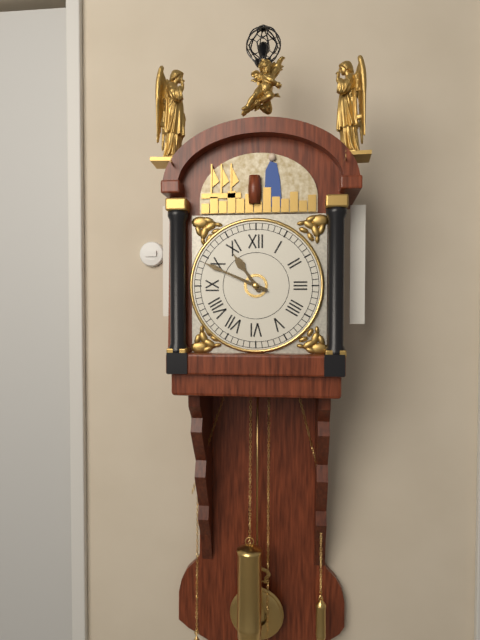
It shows 10h49
